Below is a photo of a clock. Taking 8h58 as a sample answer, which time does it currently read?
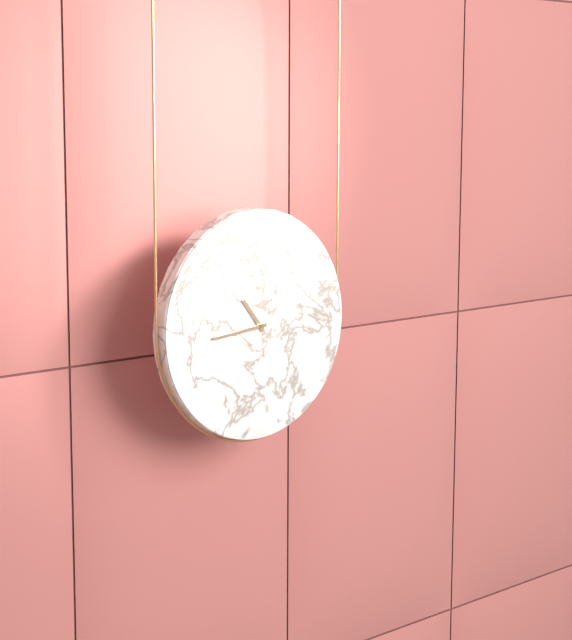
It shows 10h44
